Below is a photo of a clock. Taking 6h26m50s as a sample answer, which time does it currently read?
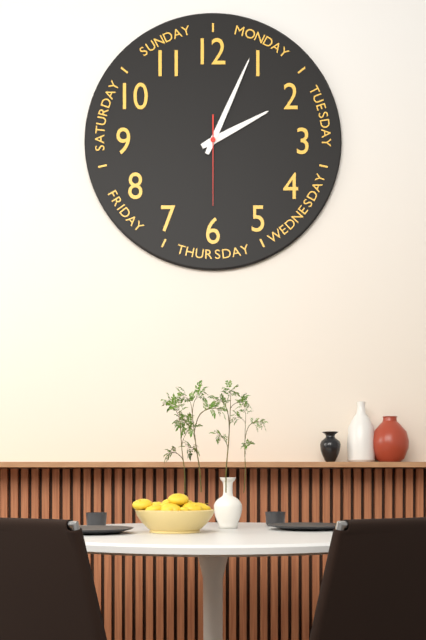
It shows 2h04m30s
